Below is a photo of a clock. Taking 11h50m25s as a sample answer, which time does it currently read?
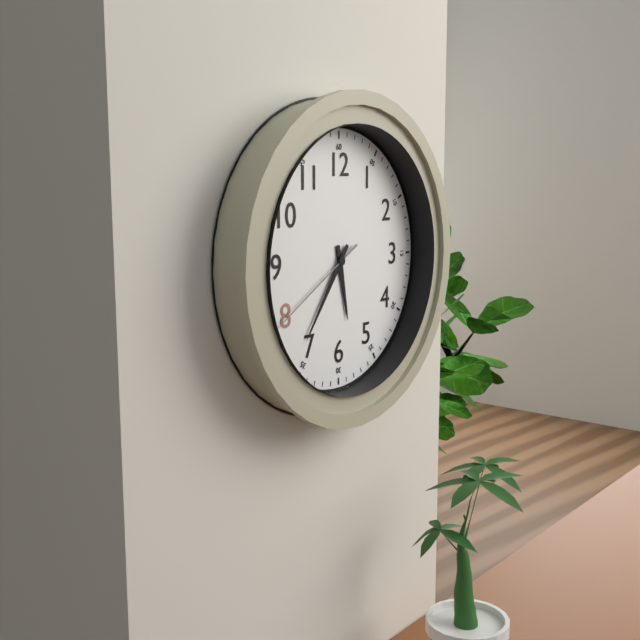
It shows 5h36m40s
